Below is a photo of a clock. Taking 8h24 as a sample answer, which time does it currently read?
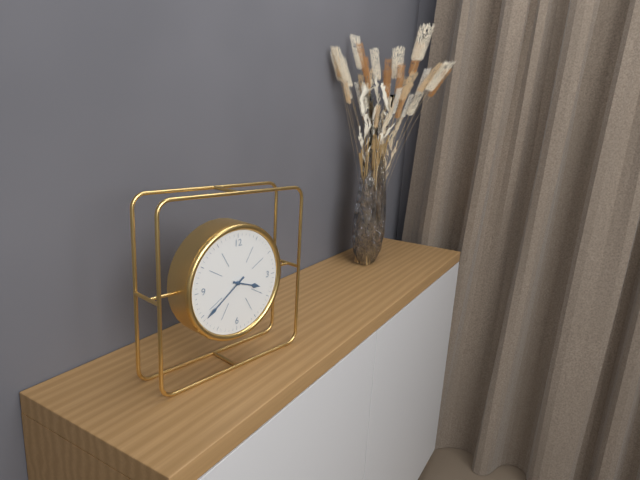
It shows 3h39
